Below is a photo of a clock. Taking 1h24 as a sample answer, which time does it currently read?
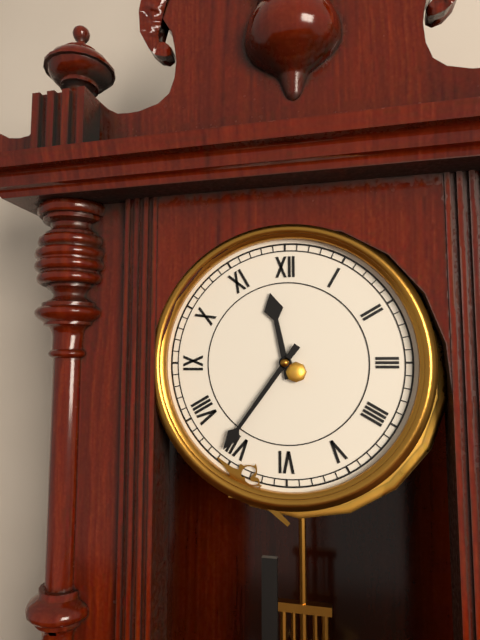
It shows 11h36
